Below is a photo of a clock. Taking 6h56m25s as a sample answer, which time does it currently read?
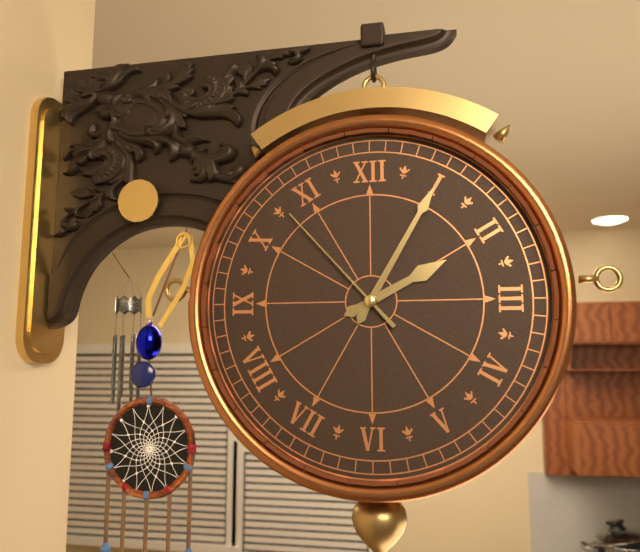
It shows 2h05m53s
